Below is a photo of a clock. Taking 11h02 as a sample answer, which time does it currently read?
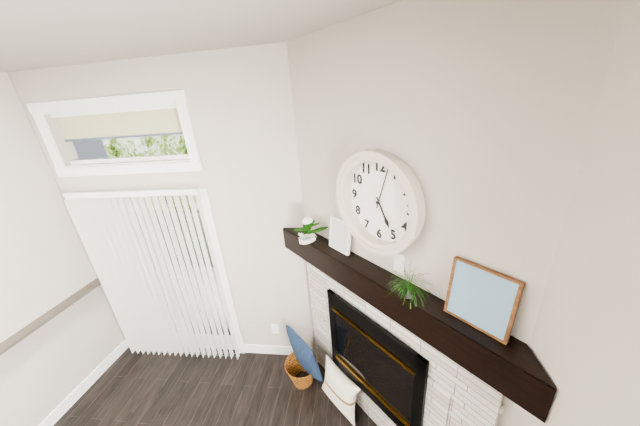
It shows 5h03
